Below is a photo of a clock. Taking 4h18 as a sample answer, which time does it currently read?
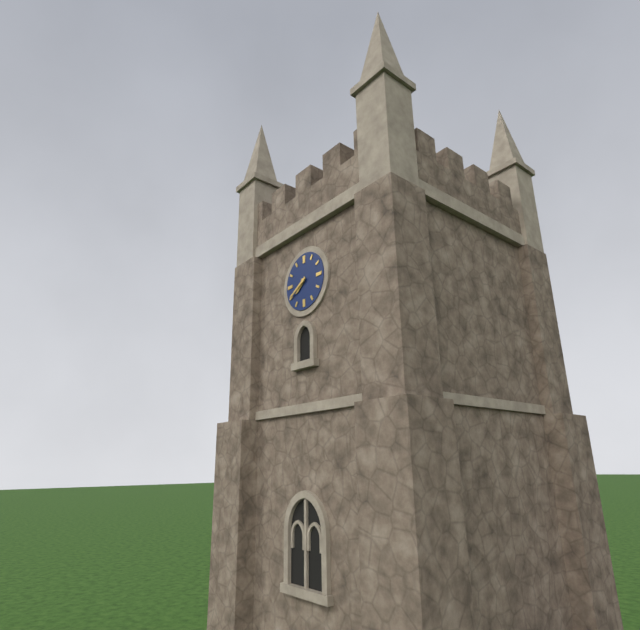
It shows 7h40
